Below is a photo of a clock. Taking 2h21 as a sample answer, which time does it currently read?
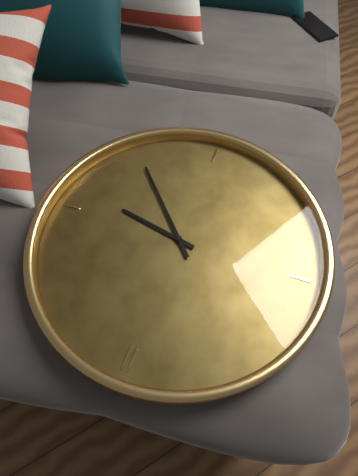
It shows 3h23
